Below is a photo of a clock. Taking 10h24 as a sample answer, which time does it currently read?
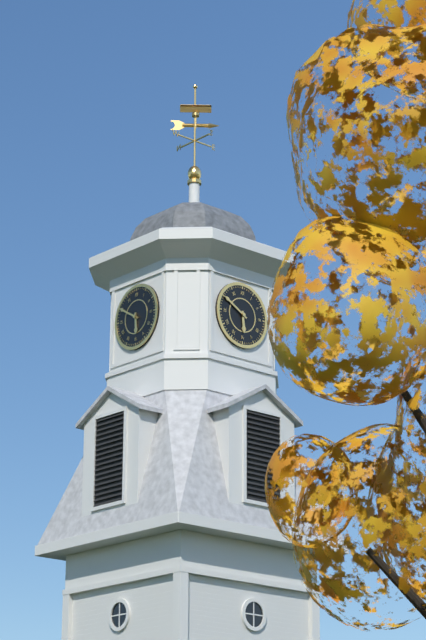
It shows 5h50
